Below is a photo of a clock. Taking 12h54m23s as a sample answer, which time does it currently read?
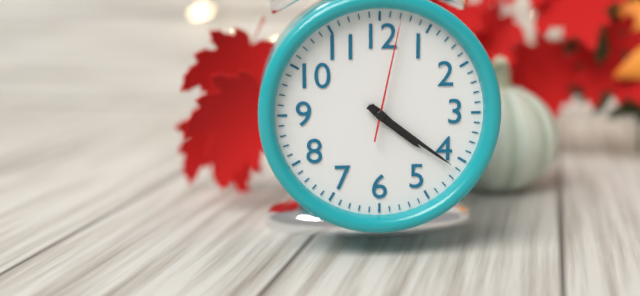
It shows 4h21m02s
